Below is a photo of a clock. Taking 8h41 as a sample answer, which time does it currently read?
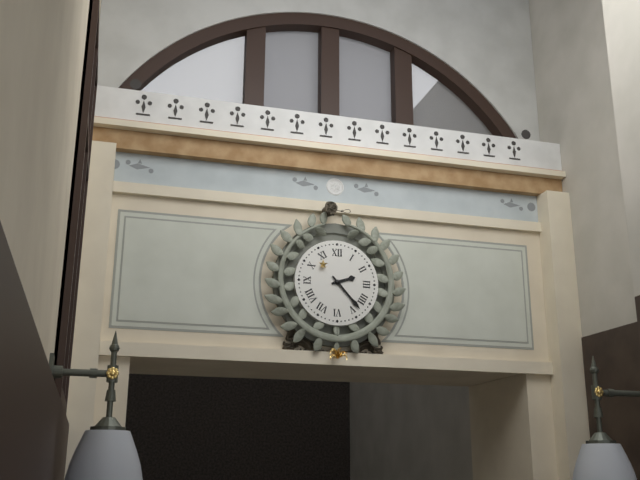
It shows 2h23
